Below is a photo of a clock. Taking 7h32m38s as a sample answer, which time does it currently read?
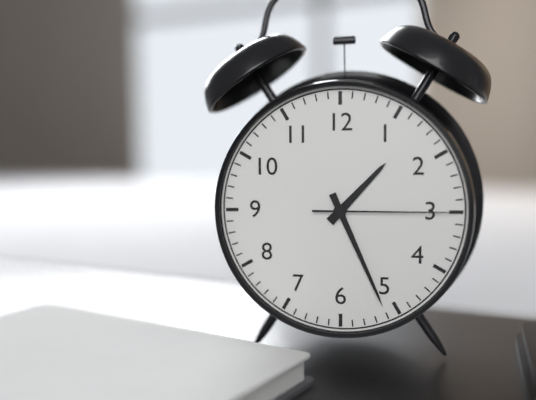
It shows 1h26m15s
